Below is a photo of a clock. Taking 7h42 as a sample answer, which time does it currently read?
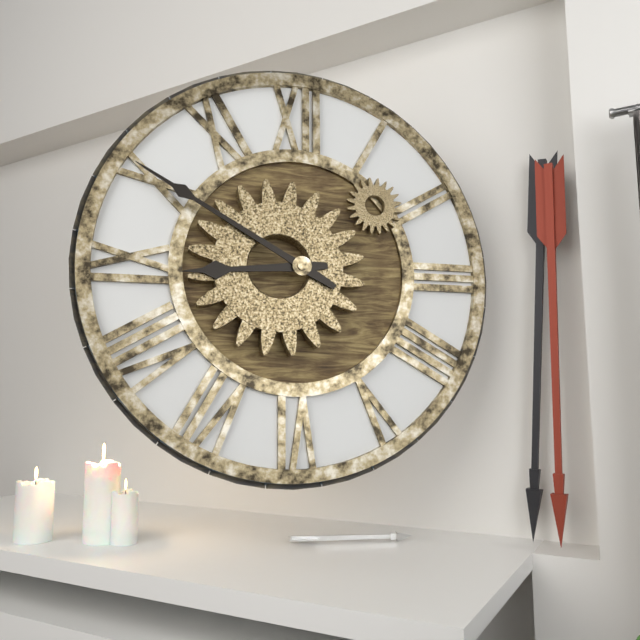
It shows 8h50
